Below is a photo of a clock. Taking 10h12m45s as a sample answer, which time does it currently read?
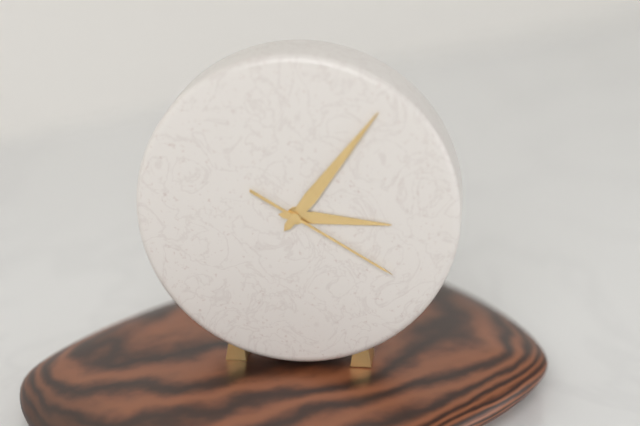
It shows 3h06m20s
